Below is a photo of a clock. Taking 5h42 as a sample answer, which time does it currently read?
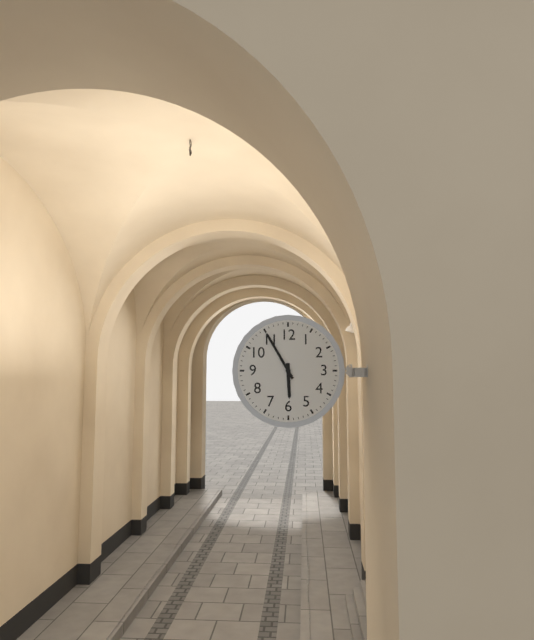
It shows 5h55
